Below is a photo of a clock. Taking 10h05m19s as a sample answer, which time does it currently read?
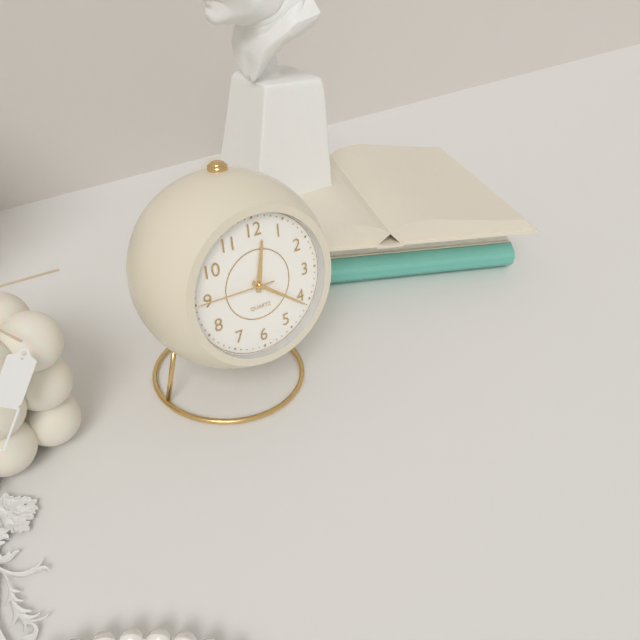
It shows 12h21m45s
